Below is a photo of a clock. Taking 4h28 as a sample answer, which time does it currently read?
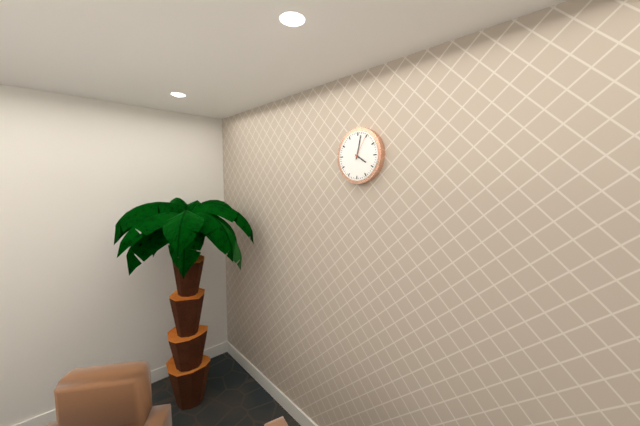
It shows 4h02
